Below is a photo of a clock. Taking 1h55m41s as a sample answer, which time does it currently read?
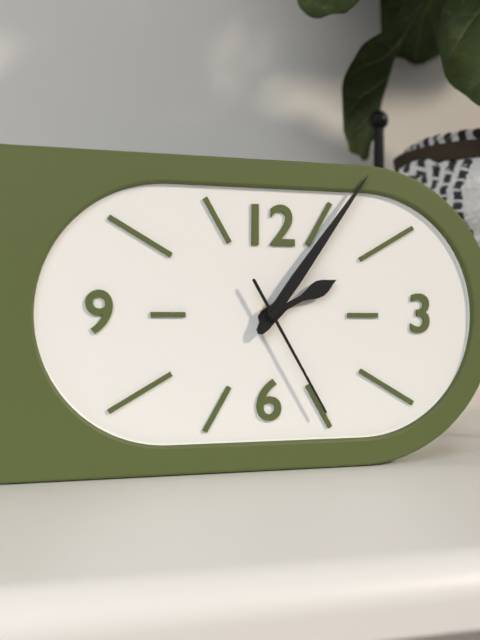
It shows 2h06m25s
